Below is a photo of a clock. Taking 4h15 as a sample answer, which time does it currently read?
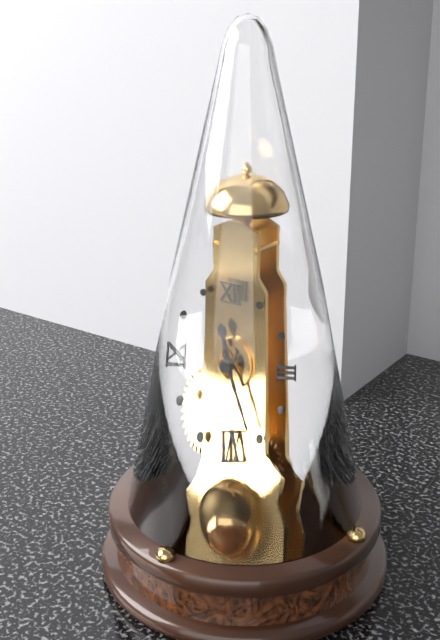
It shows 11h26
